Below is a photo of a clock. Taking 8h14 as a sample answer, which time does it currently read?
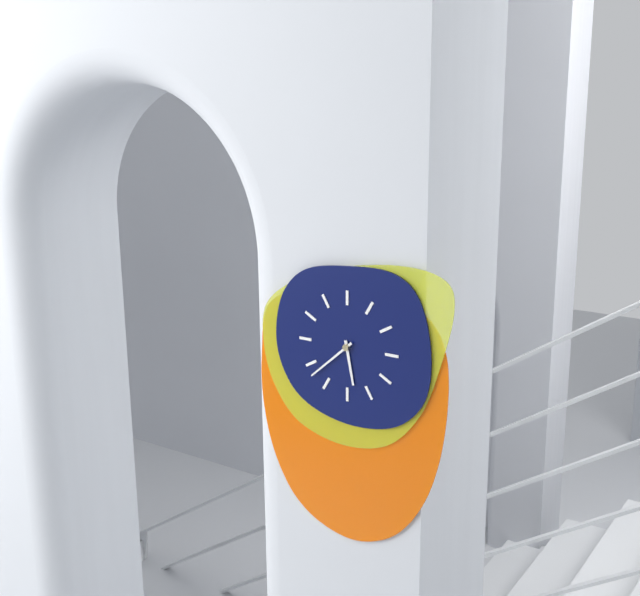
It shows 5h38
